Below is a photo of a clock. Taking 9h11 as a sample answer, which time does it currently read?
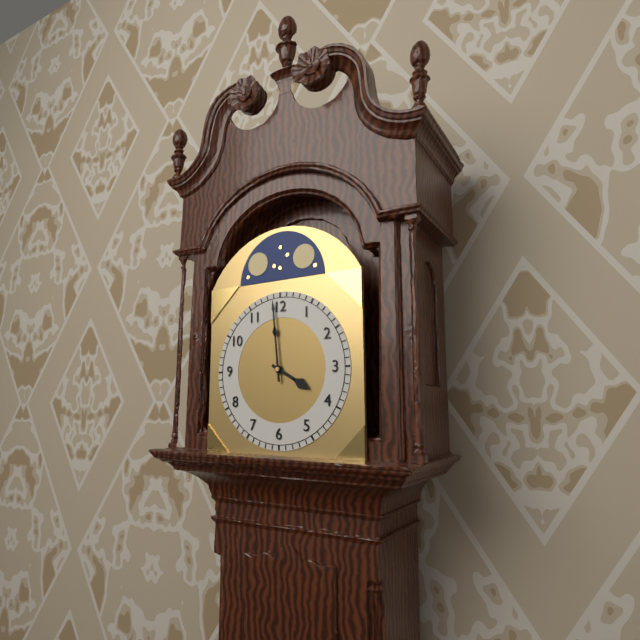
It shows 3h59
